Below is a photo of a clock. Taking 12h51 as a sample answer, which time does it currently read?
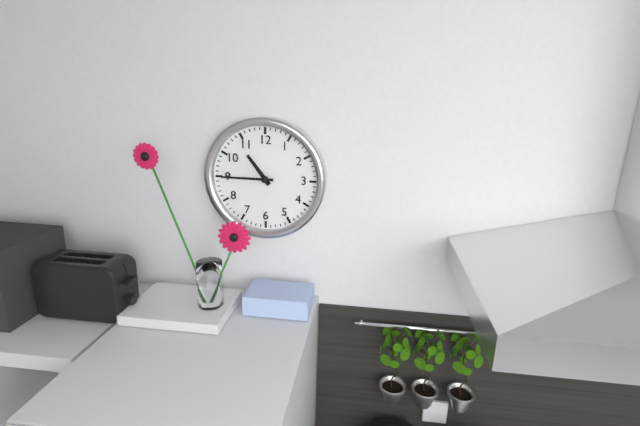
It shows 10h45
